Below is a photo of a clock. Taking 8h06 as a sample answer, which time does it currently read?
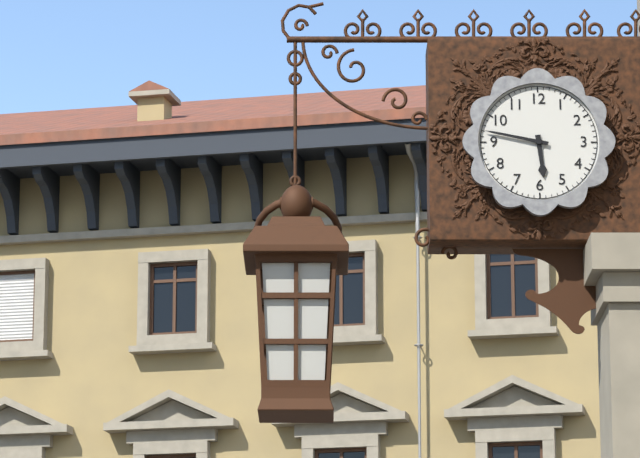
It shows 5h47
